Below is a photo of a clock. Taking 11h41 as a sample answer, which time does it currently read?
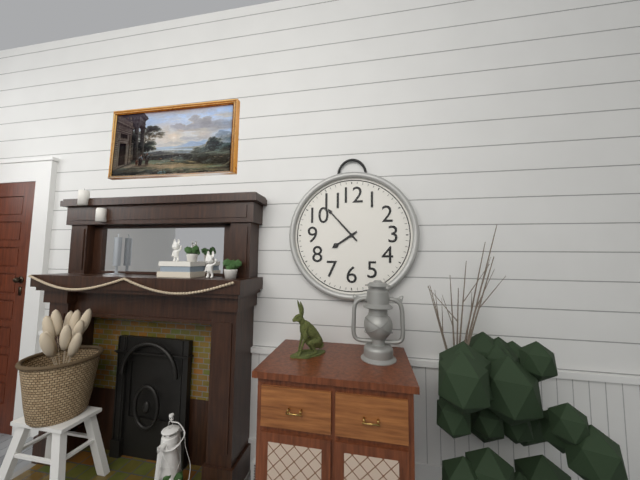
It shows 7h53
